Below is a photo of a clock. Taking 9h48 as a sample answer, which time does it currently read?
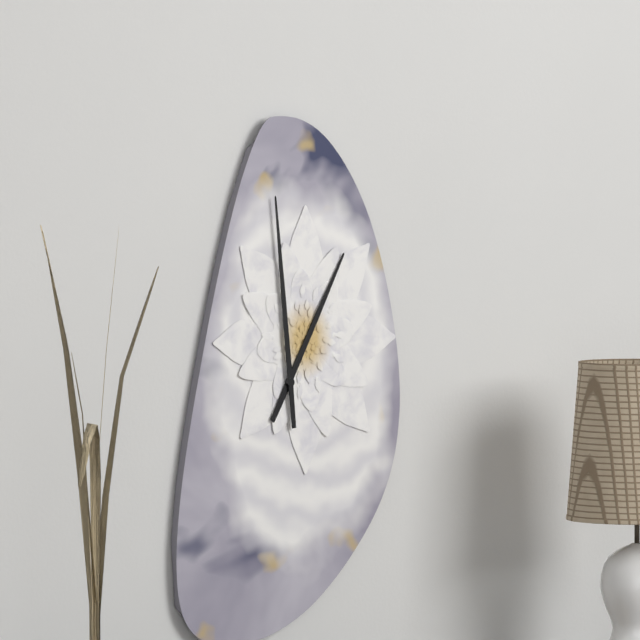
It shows 12h59
